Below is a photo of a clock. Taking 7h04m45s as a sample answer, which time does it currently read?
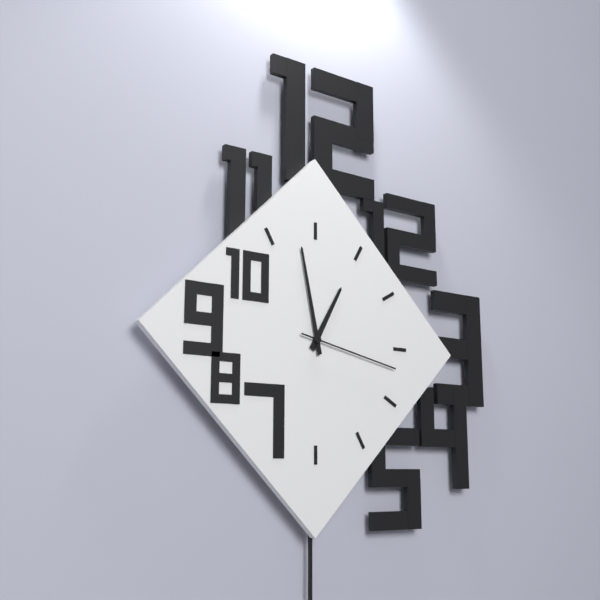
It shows 12h58m17s
